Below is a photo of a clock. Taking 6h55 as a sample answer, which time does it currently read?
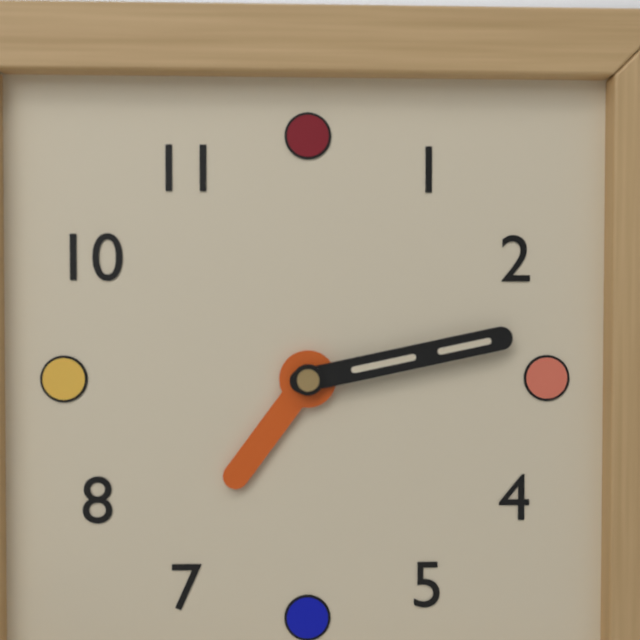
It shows 7h13
